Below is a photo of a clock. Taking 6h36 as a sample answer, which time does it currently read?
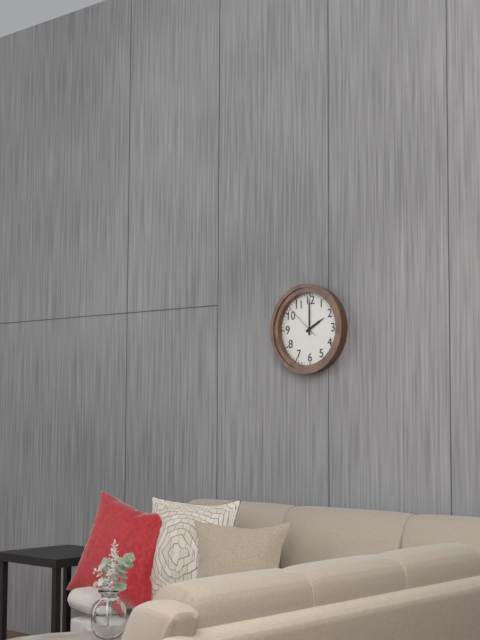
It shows 2h00
